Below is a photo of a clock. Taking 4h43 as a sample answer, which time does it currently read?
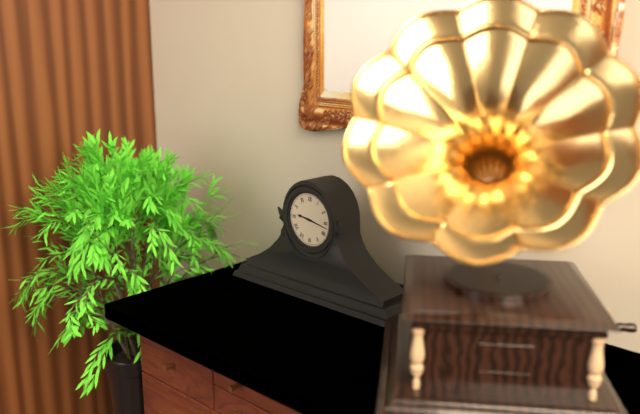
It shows 9h17
